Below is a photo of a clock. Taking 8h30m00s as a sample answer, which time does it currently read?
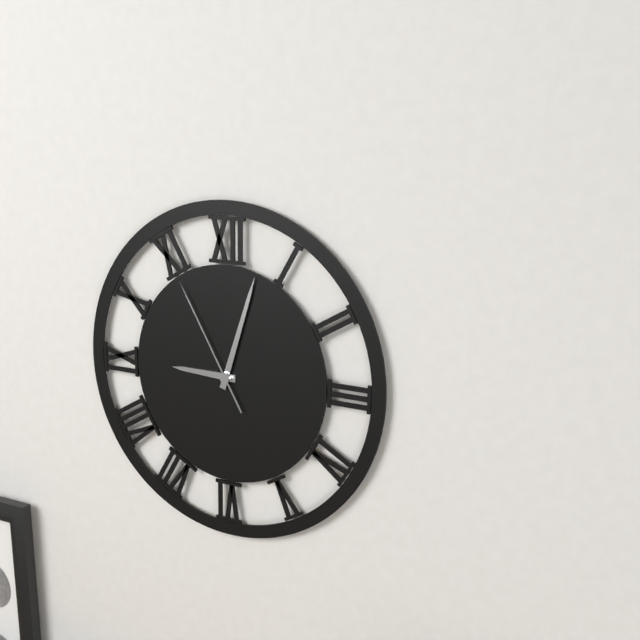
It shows 9h03m55s
